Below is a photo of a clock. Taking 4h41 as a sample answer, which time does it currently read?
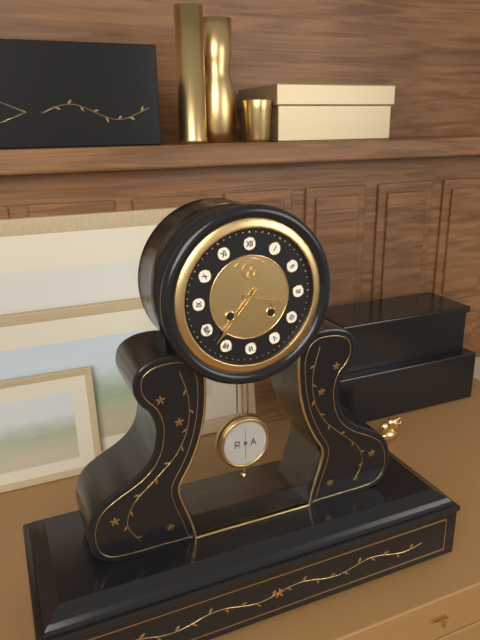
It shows 3h37
